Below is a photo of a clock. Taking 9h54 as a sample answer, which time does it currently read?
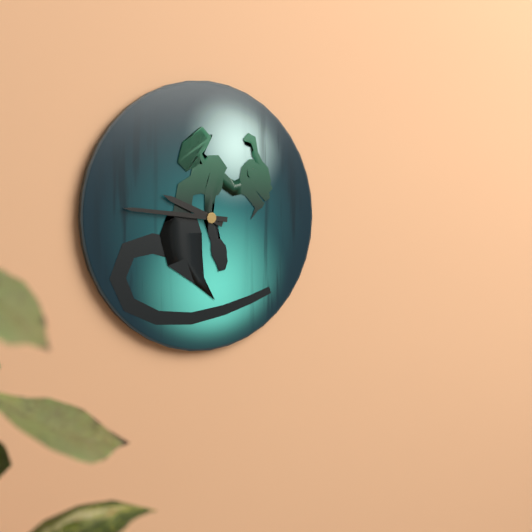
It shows 9h46
